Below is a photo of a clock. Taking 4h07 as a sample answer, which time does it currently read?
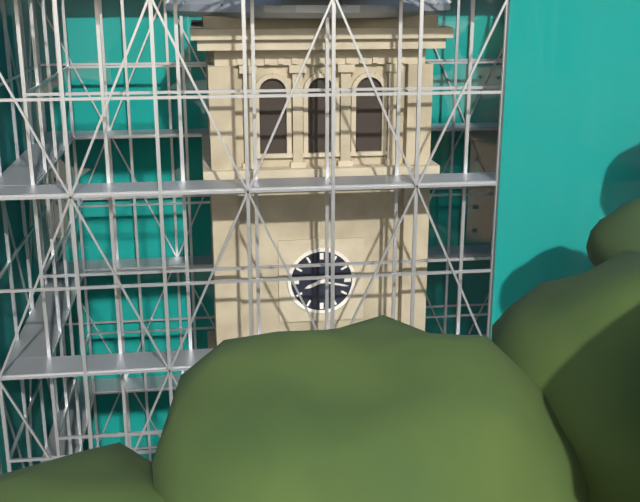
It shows 8h17
